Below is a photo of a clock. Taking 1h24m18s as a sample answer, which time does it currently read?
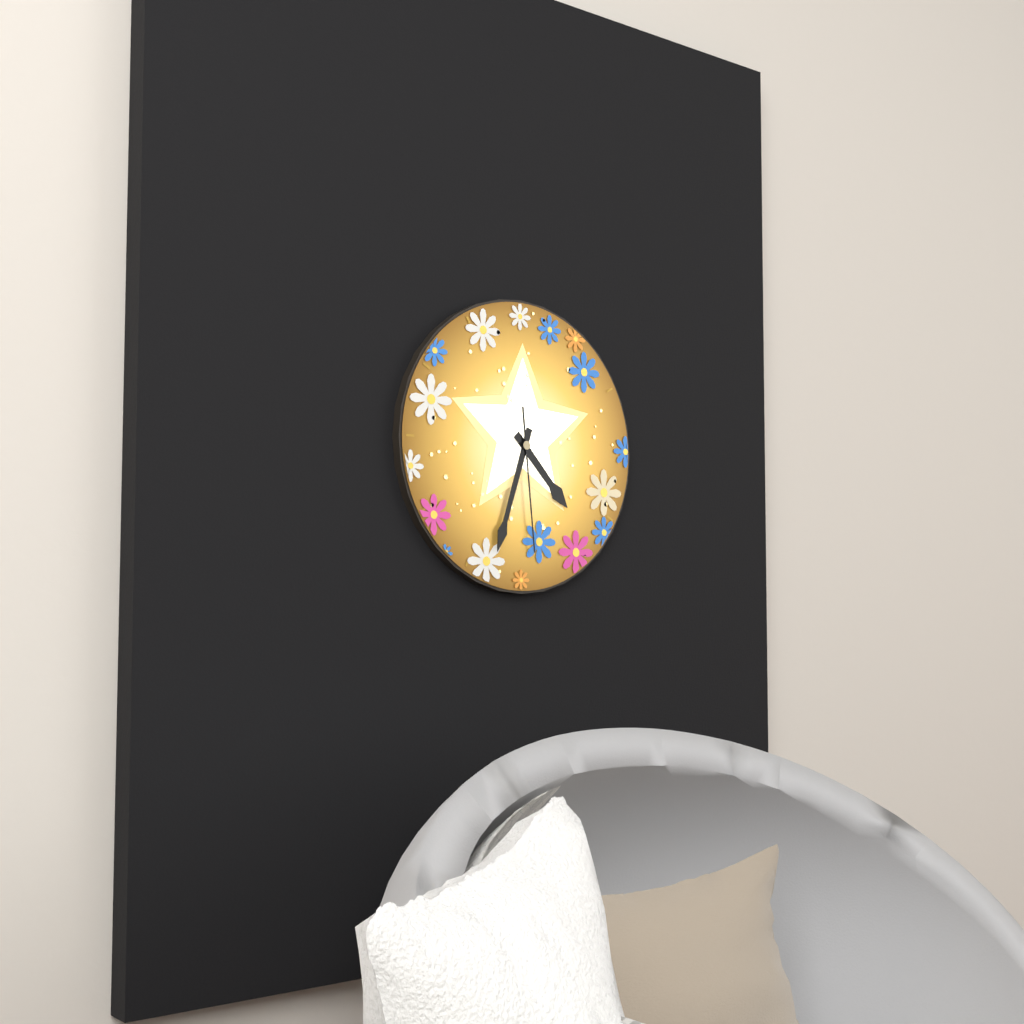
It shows 4h33m29s
